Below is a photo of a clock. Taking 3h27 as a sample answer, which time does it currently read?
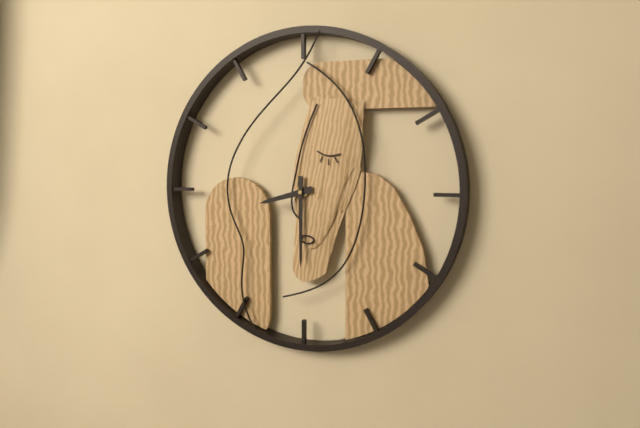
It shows 8h30
